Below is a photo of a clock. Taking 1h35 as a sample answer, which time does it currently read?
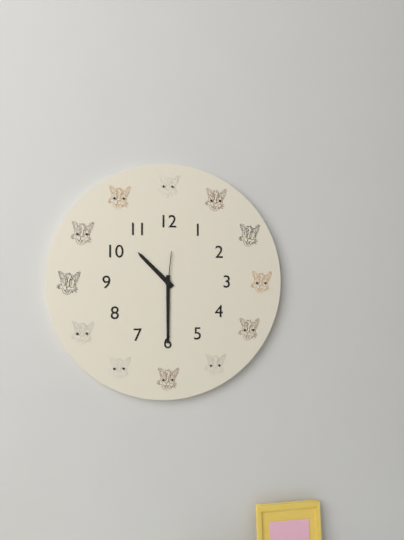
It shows 10h30
